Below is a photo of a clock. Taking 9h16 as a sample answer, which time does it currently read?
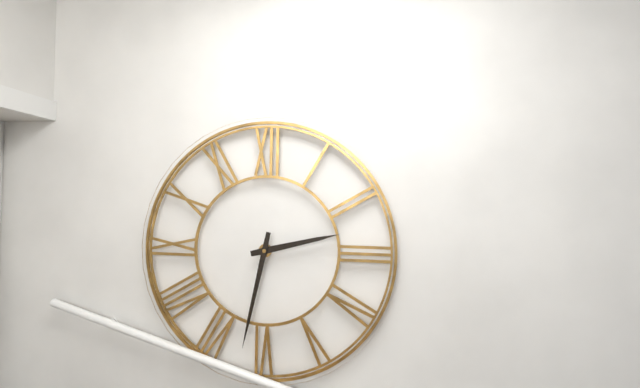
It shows 2h32
